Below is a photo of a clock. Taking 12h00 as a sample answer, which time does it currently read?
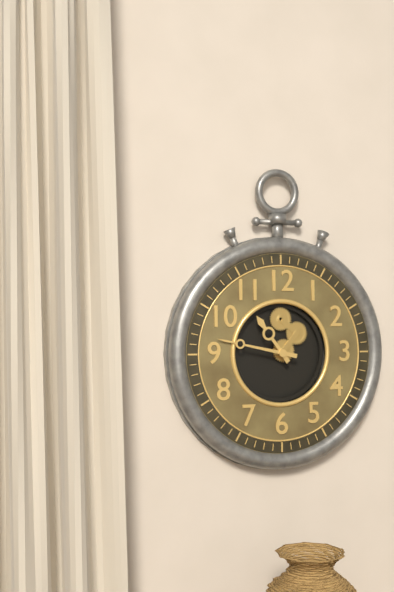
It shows 10h47
